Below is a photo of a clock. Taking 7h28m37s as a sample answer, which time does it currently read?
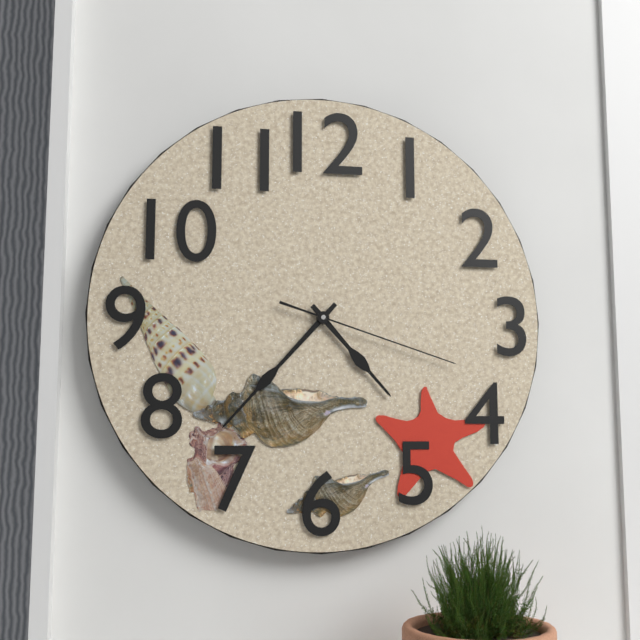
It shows 4h37m18s
